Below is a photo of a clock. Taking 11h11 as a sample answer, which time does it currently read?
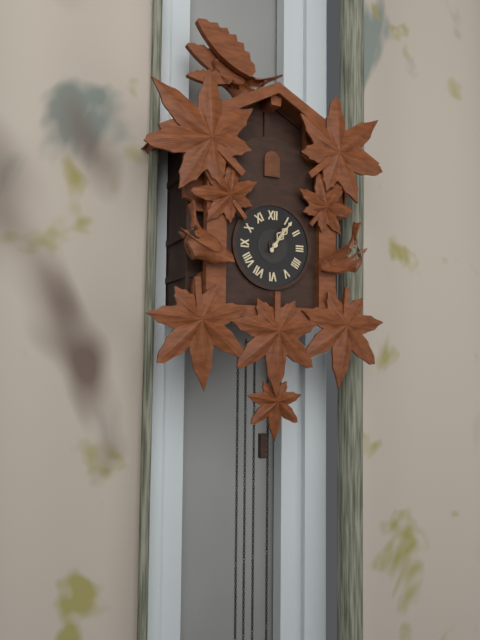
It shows 1h06
